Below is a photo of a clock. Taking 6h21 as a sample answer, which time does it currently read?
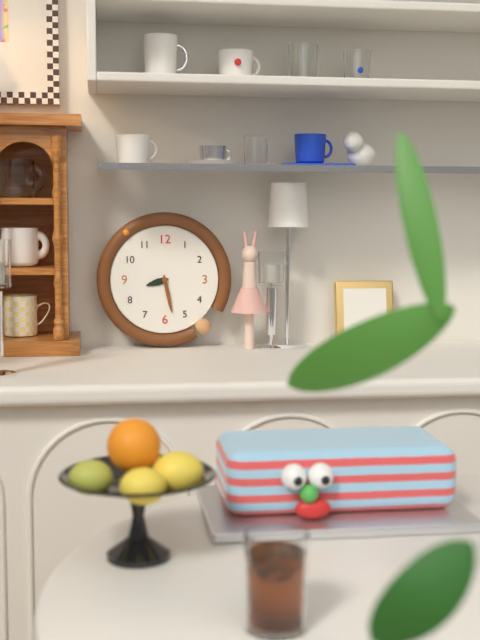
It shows 8h28
